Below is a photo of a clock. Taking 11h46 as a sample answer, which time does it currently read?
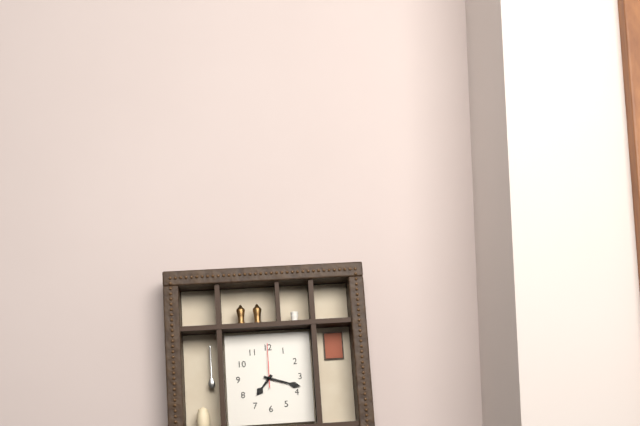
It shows 7h18
